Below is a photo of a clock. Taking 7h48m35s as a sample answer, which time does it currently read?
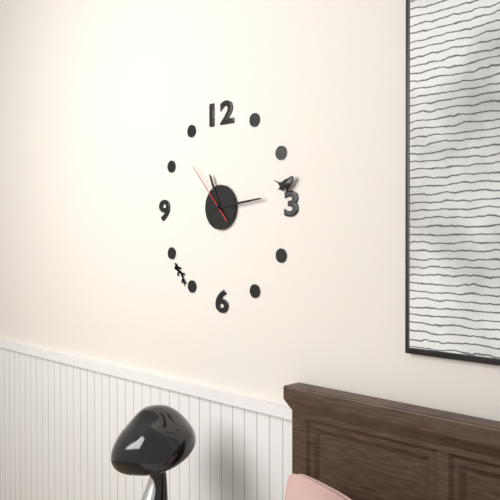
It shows 11h14m53s
